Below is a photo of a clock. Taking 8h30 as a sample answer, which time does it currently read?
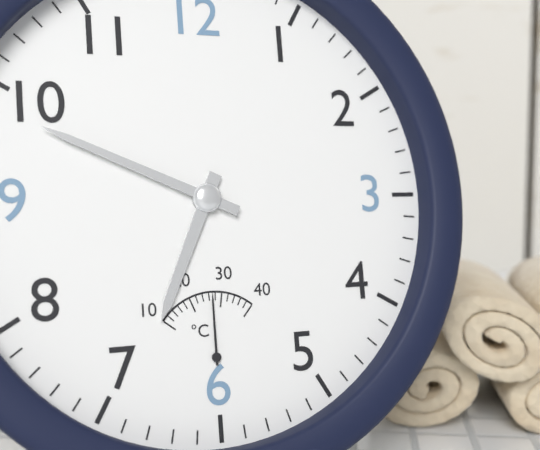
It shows 6h49
